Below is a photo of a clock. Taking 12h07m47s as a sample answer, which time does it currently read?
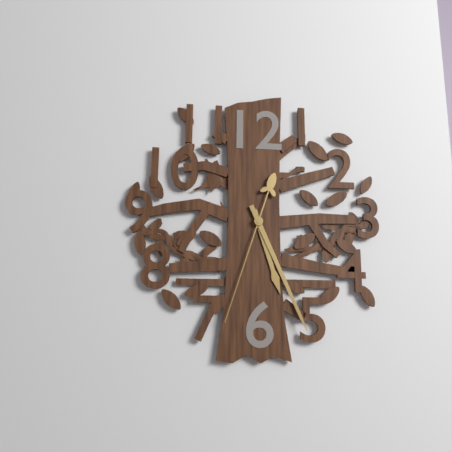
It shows 5h26m33s
